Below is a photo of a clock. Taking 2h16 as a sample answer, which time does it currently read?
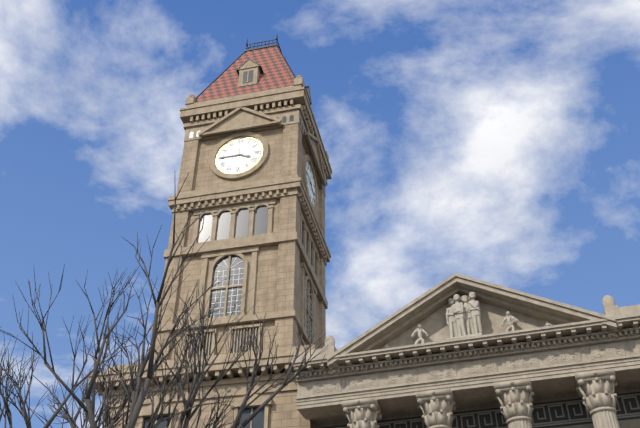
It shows 3h45
